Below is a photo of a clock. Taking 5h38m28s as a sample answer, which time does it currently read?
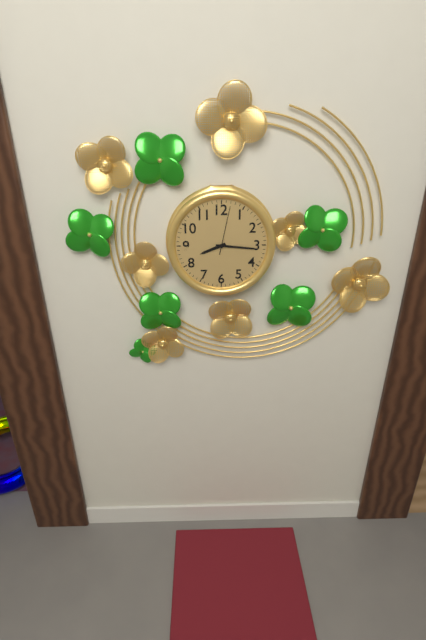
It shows 8h16m02s
